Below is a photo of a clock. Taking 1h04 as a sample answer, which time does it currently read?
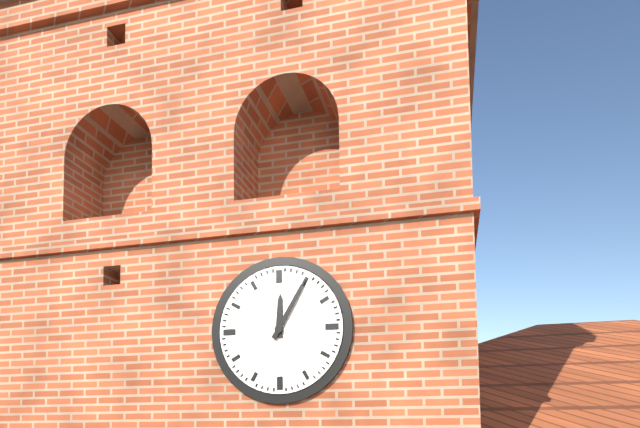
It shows 12h05
